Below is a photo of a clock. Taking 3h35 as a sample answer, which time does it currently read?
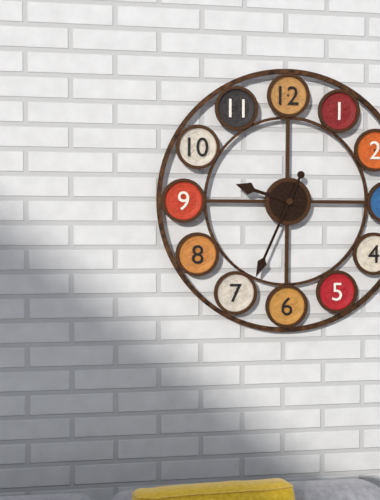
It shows 9h34
